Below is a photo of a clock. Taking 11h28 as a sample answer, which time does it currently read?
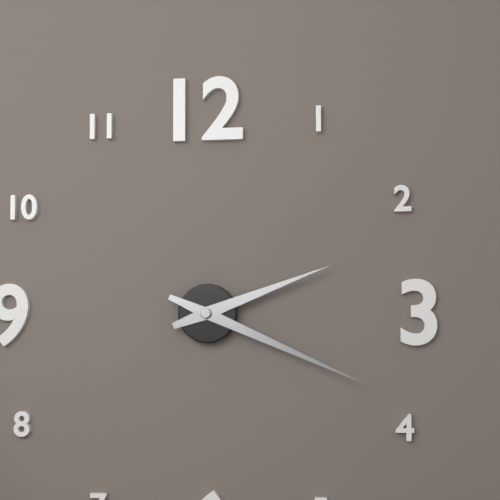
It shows 2h19
